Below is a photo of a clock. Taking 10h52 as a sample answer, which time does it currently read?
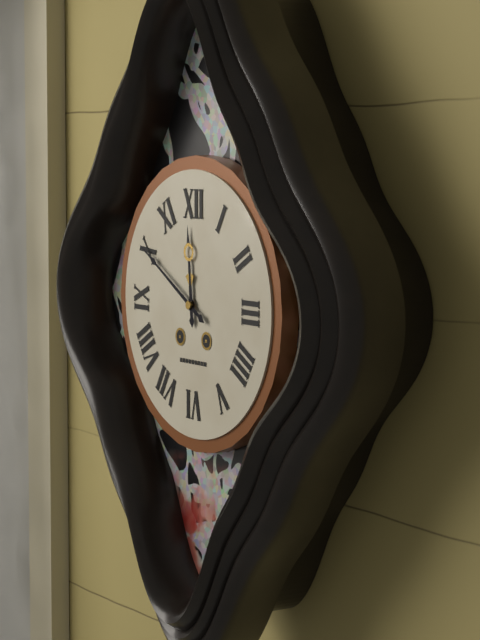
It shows 11h50
